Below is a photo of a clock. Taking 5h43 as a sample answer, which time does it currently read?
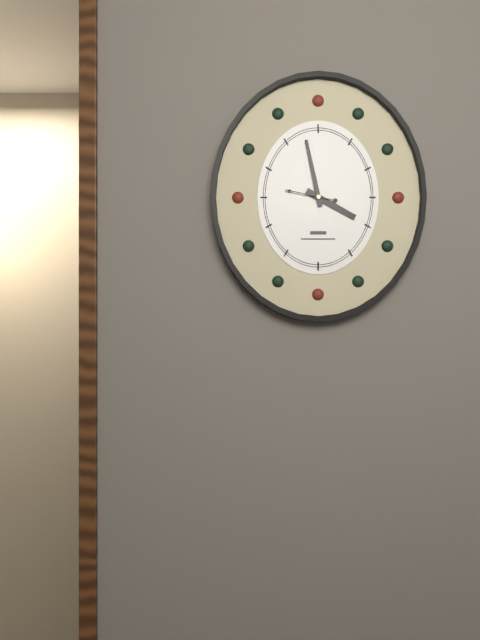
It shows 3h58
